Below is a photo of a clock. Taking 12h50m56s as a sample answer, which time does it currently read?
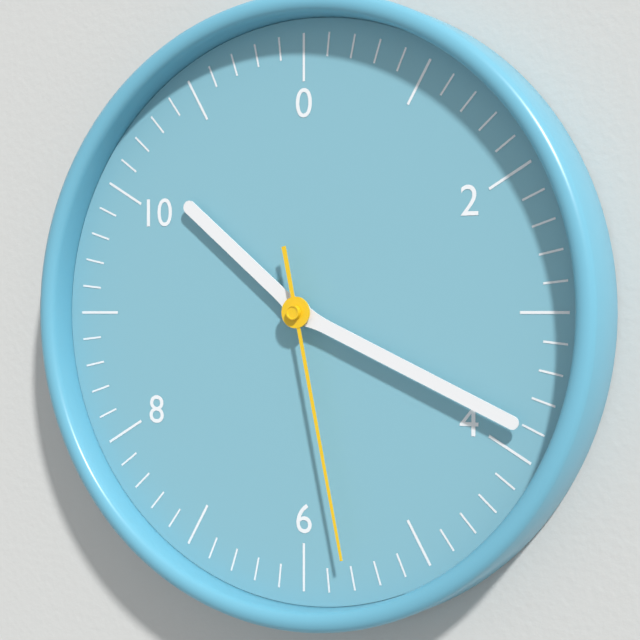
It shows 10h19m28s
